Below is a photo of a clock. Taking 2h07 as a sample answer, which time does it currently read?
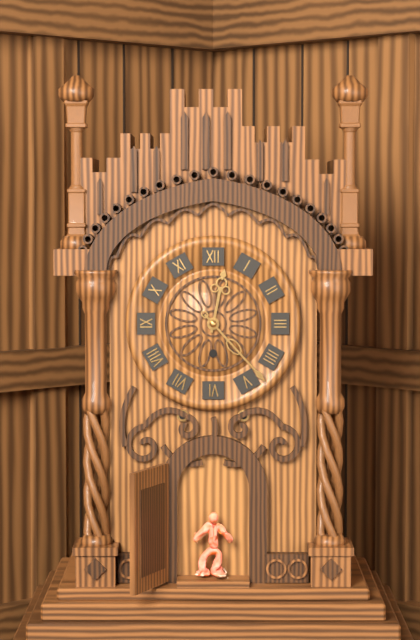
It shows 12h23
